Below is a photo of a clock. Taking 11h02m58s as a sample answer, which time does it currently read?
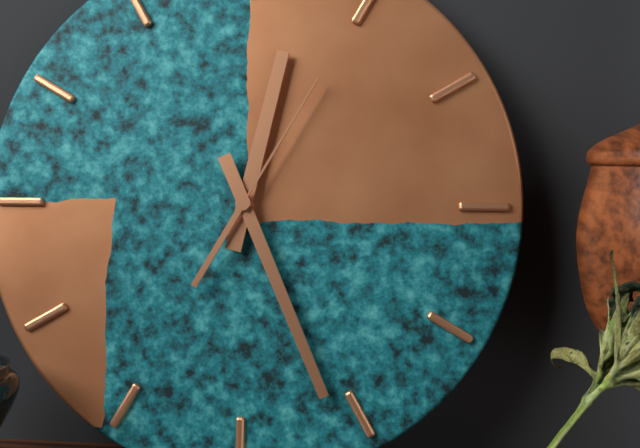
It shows 12h26m05s
